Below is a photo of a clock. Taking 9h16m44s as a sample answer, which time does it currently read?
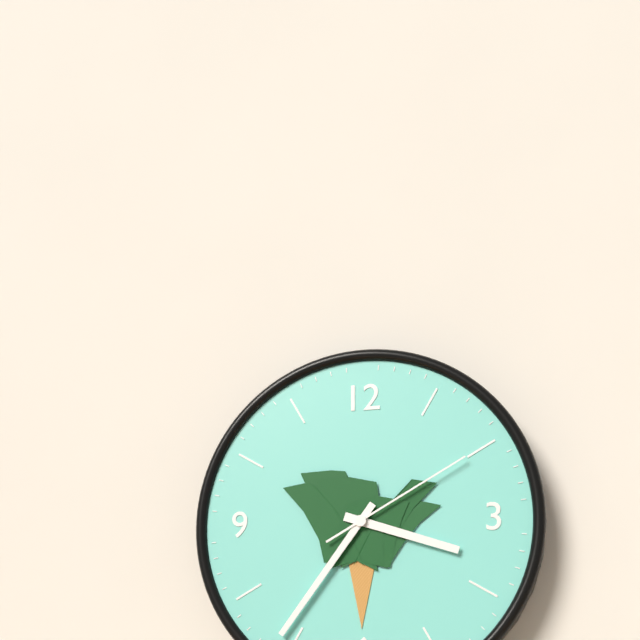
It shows 3h36m10s
